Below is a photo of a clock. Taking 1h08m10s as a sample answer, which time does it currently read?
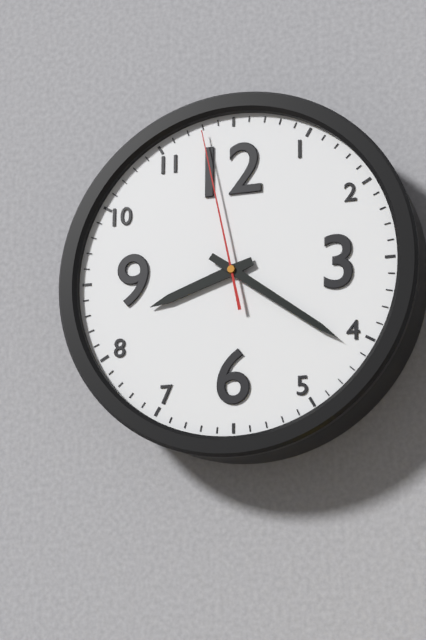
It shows 8h21m58s
